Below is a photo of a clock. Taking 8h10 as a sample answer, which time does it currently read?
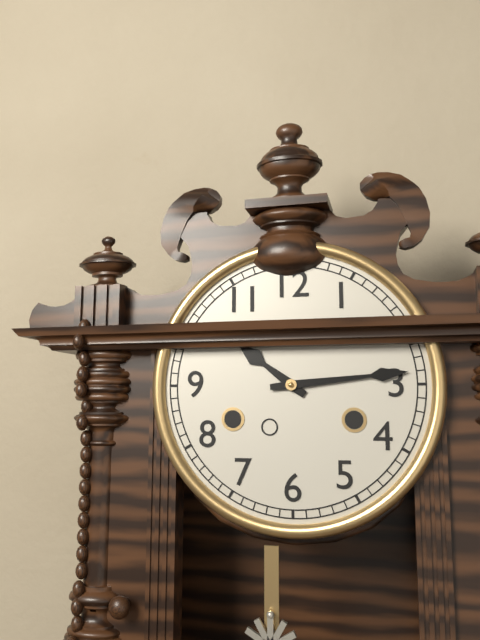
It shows 10h14
